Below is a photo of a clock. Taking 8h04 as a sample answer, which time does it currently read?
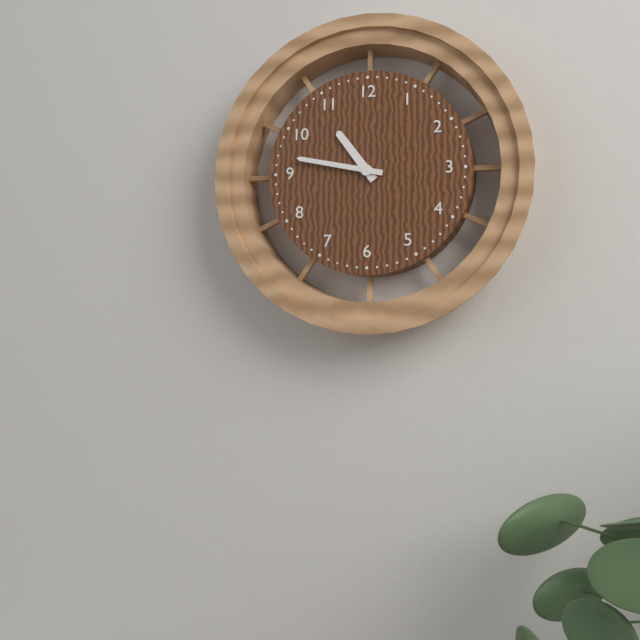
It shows 10h47
